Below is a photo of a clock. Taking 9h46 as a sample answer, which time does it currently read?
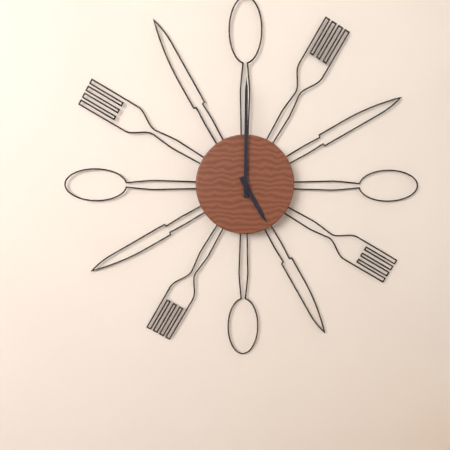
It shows 5h00
